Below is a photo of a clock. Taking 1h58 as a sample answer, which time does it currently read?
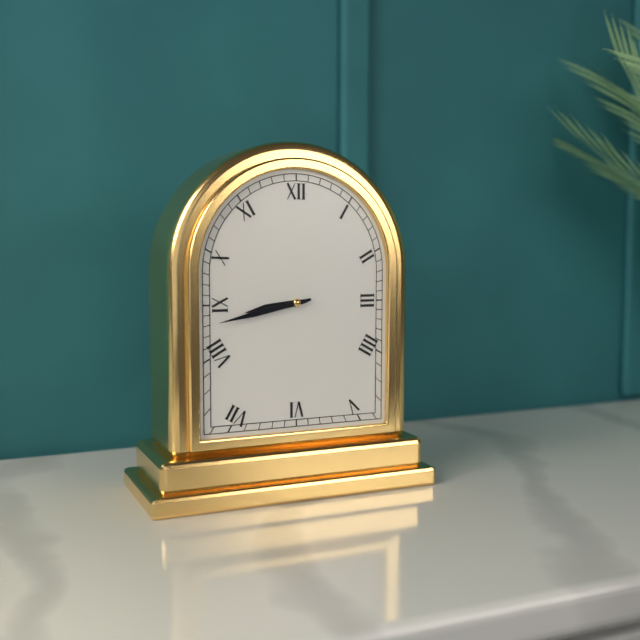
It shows 8h43
